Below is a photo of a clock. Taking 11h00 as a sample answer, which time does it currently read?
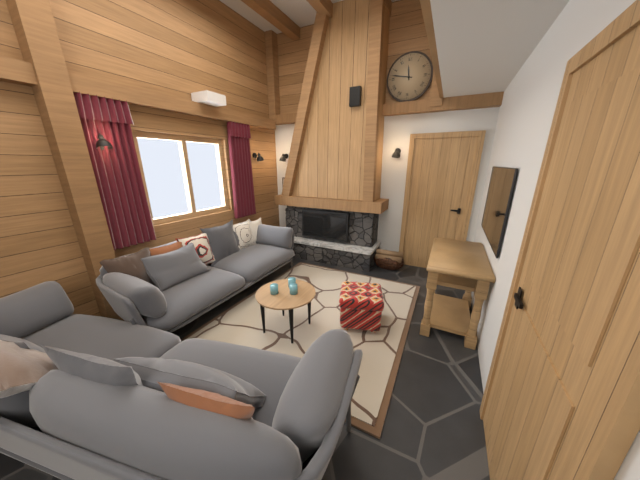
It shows 11h47
